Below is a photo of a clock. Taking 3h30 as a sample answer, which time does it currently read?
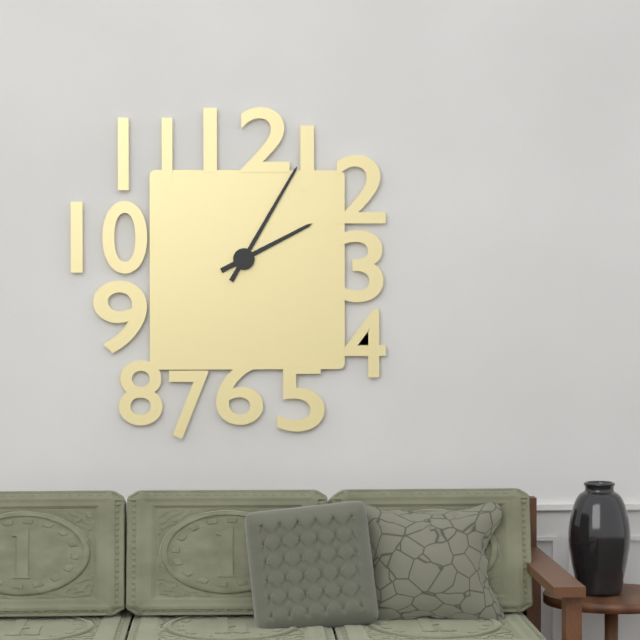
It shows 2h05
